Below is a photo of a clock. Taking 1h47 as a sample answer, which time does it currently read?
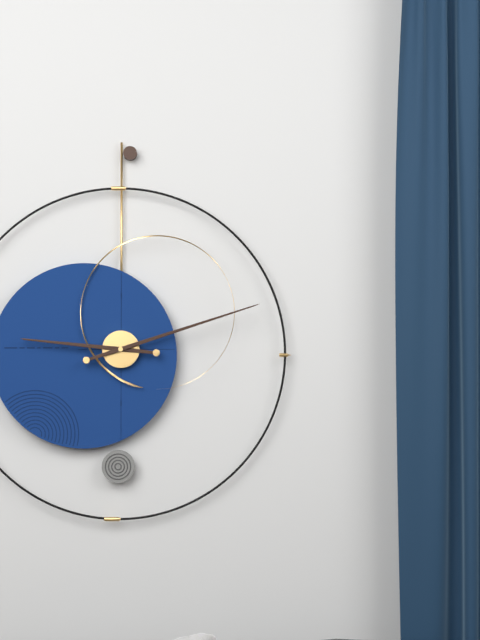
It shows 9h12
